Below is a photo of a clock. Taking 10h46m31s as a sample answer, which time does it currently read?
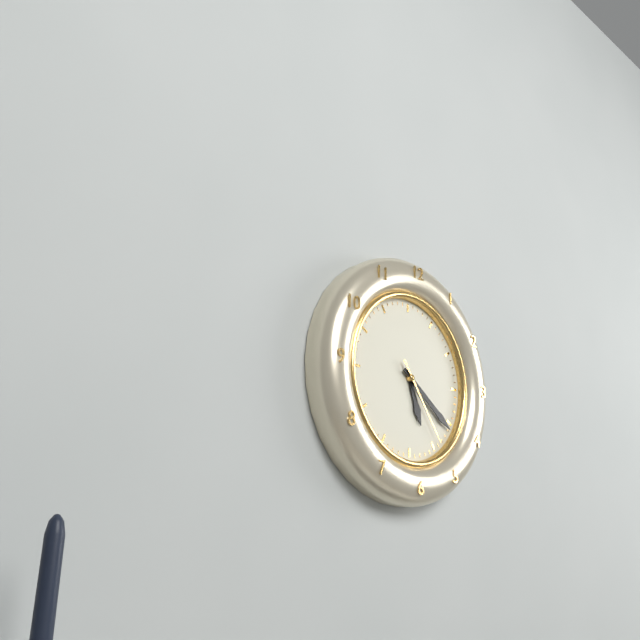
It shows 5h21m24s
